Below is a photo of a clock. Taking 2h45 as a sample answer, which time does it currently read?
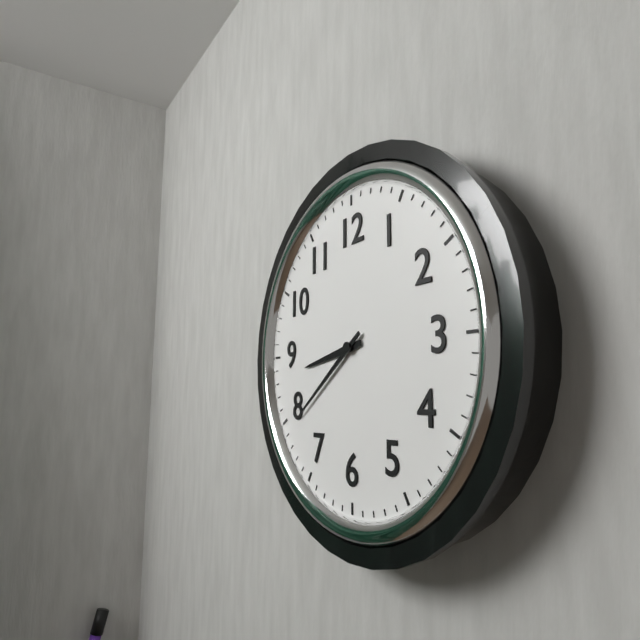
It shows 8h39
